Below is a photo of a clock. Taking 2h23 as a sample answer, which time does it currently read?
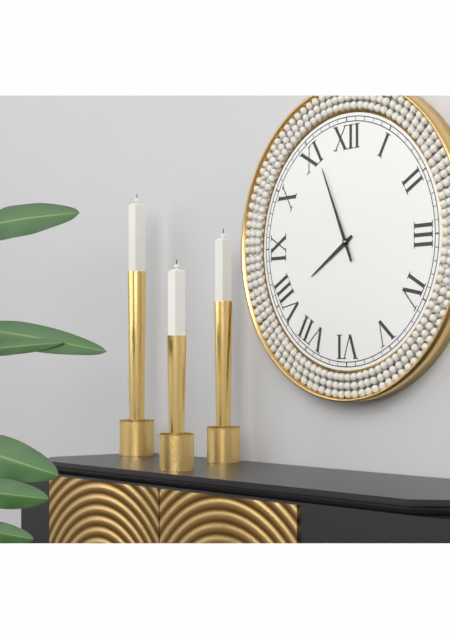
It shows 7h56
